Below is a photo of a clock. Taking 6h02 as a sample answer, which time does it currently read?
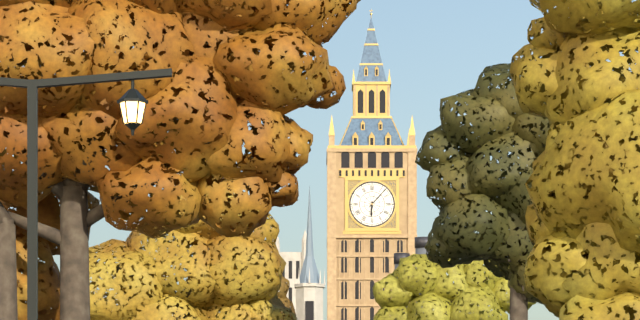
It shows 6h07
